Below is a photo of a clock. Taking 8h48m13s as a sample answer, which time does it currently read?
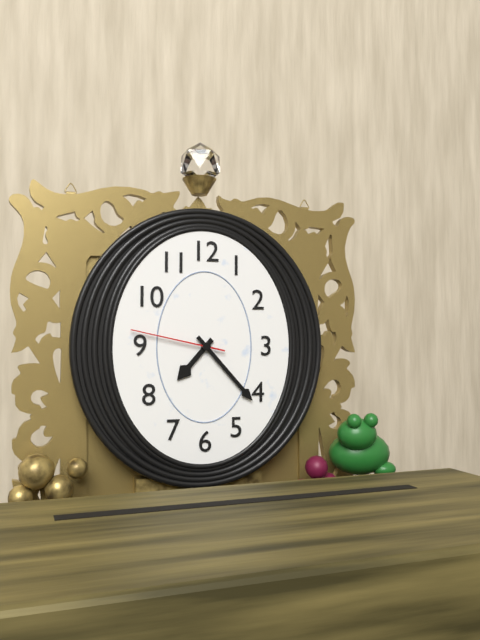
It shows 7h23m47s
